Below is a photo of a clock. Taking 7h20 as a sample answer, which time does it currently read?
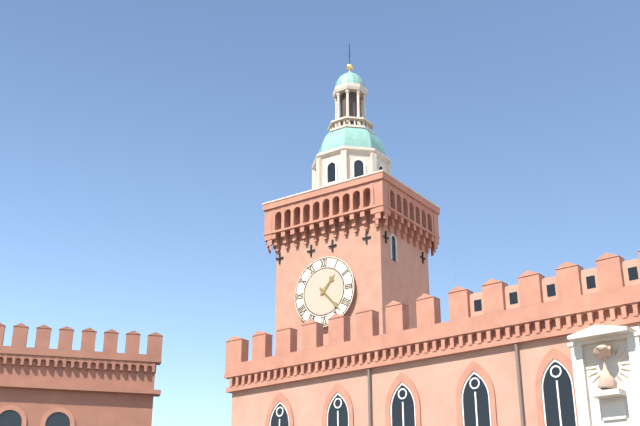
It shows 1h23
